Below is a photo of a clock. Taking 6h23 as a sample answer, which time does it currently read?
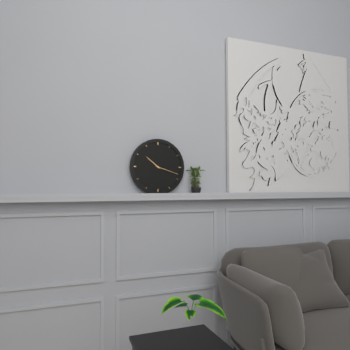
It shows 10h18
